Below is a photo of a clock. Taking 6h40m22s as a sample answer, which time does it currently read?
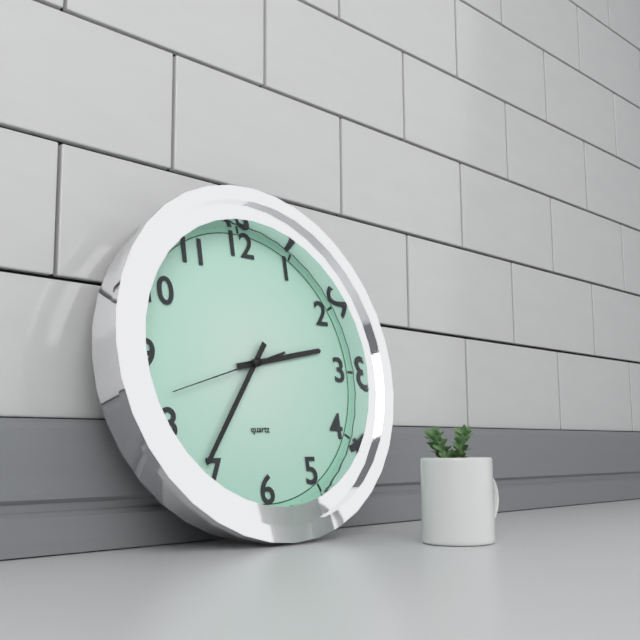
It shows 2h36m42s
